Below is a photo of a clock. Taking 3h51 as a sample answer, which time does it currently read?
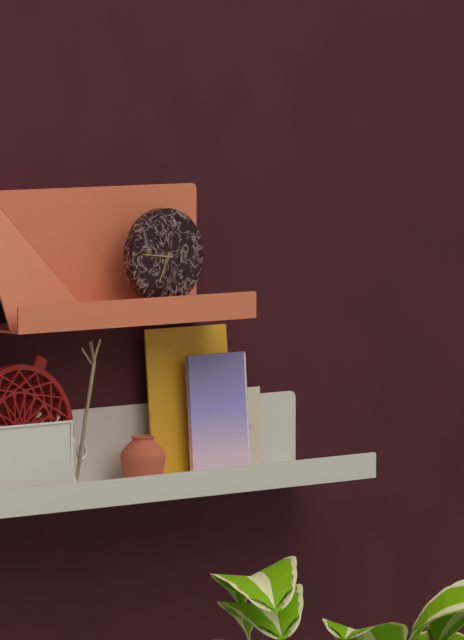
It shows 6h46
